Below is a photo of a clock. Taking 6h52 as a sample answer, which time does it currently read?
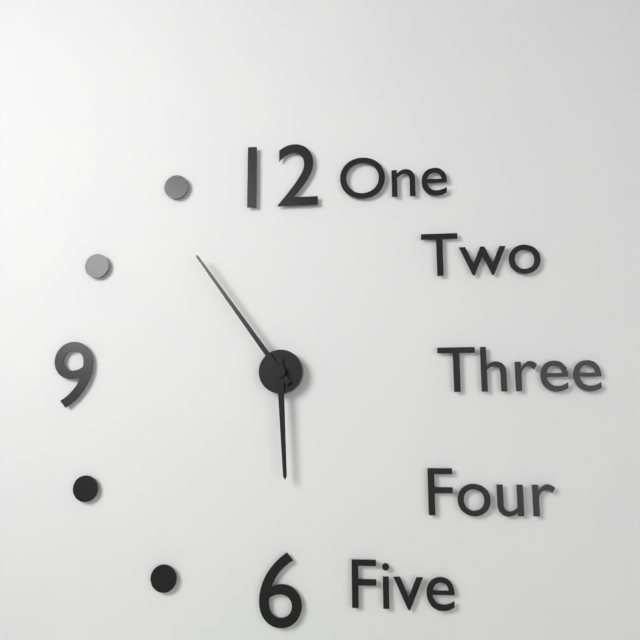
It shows 5h54
